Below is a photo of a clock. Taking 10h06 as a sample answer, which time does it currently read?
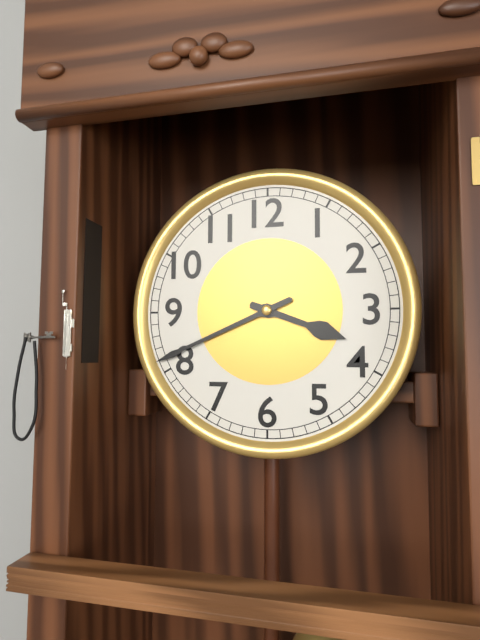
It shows 3h41
